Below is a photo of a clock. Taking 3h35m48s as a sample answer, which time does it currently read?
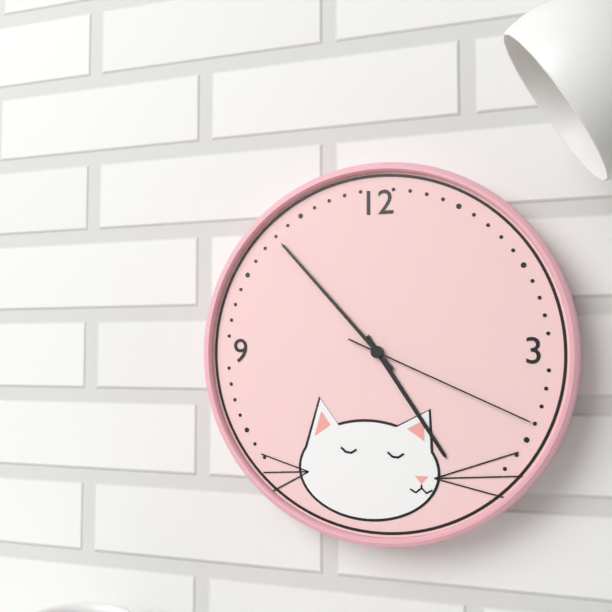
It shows 4h53m19s
